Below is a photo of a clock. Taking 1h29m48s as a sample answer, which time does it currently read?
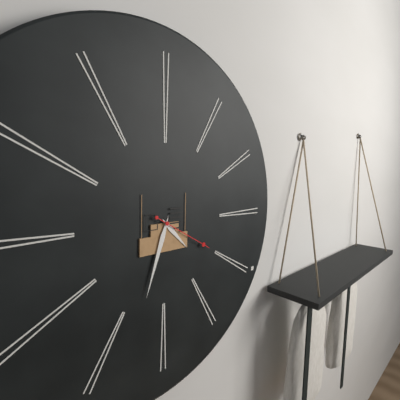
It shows 4h33m20s
